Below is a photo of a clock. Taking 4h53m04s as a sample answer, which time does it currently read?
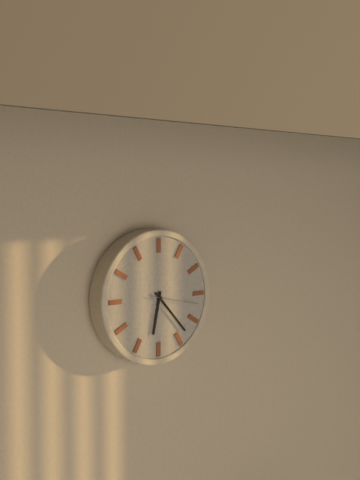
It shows 6h23m17s
